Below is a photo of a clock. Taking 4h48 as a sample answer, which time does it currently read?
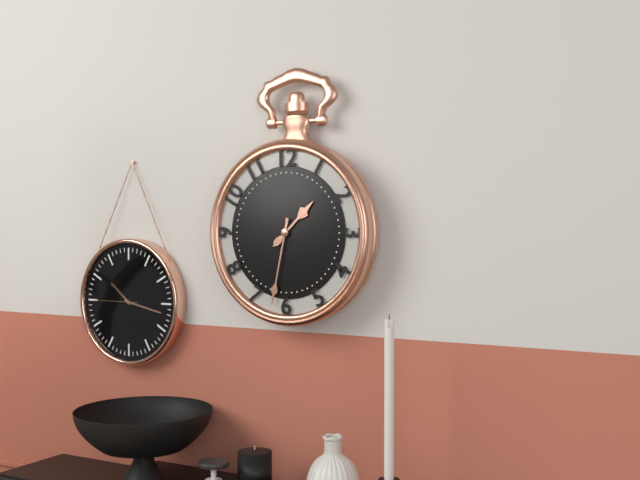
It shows 1h32
